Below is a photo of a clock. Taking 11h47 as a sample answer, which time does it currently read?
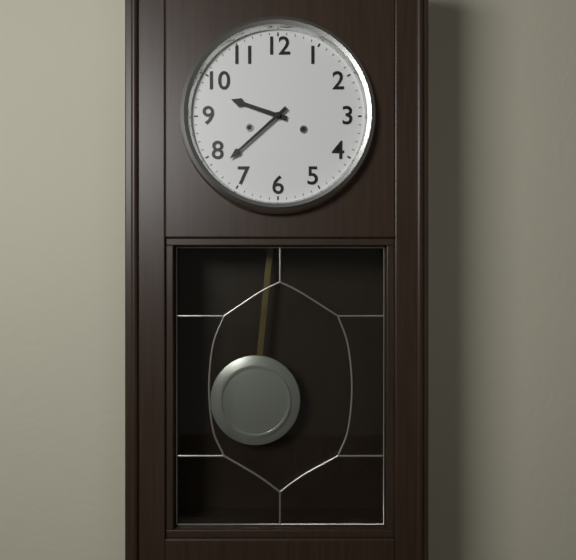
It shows 9h38
